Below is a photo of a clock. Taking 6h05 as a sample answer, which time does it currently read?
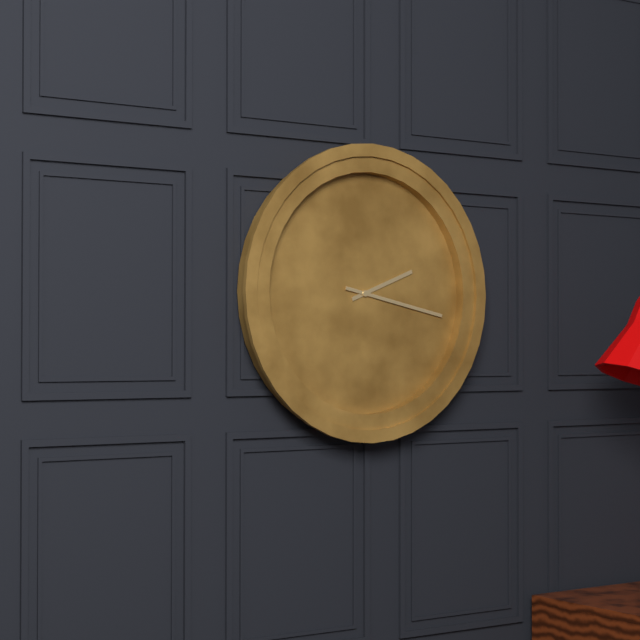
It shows 2h17
